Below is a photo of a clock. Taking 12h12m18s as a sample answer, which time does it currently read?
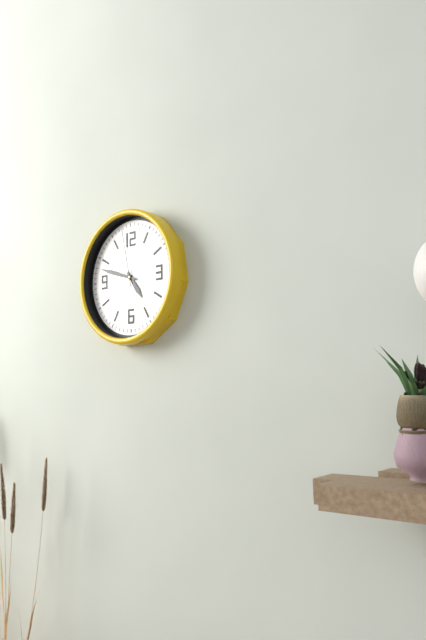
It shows 4h48m58s
